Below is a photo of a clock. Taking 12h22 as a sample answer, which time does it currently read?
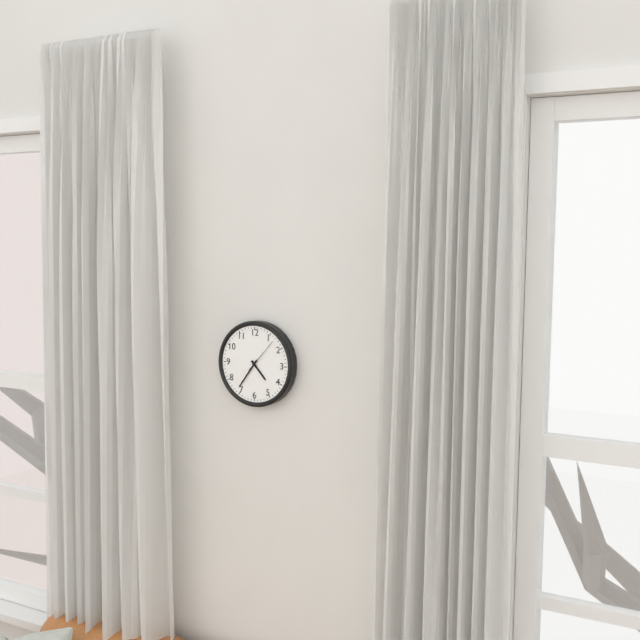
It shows 4h36
